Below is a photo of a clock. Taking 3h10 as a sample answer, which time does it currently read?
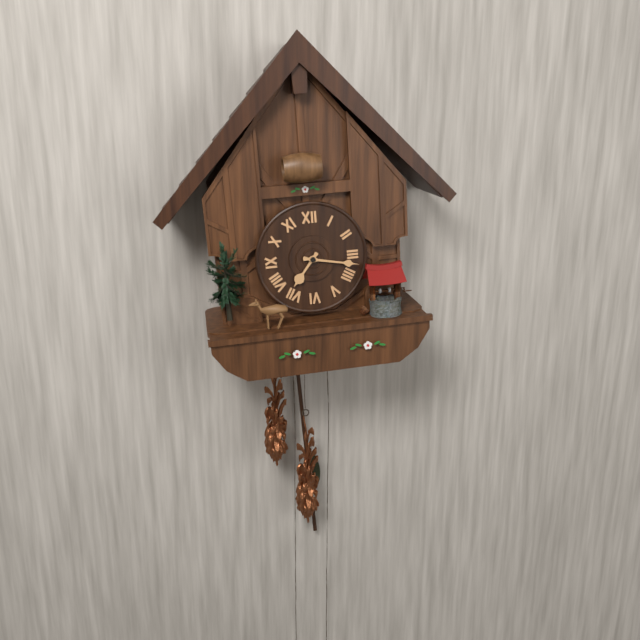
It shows 7h17
